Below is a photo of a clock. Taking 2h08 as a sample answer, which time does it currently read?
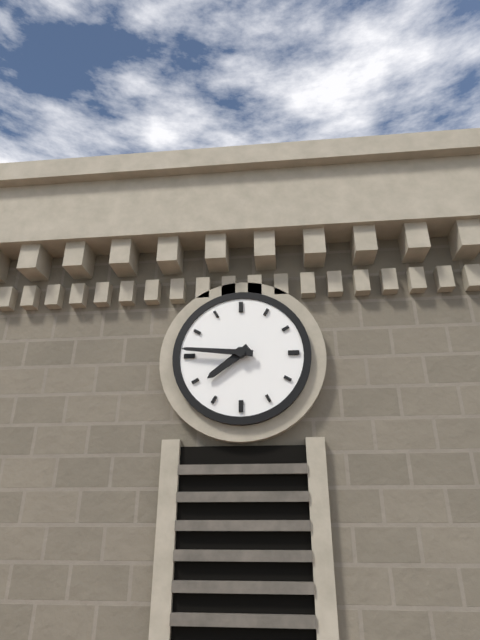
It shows 7h46
